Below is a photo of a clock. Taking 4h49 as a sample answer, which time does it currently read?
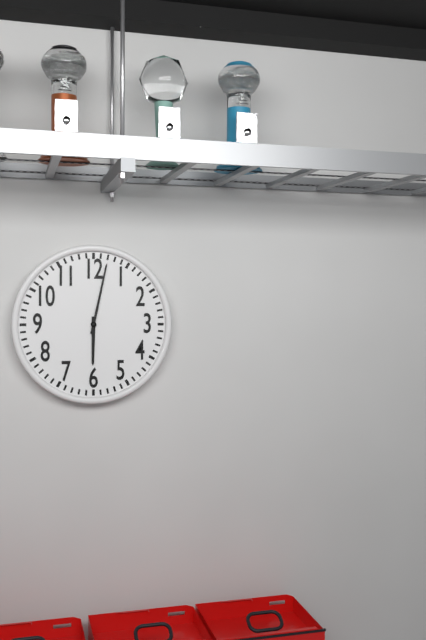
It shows 6h02
